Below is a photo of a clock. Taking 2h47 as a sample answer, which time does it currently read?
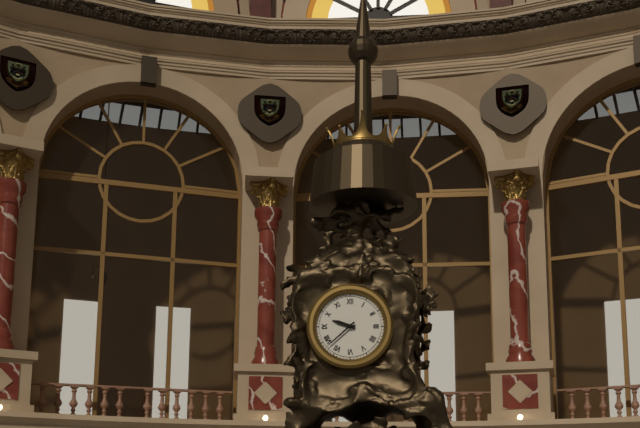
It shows 9h38
